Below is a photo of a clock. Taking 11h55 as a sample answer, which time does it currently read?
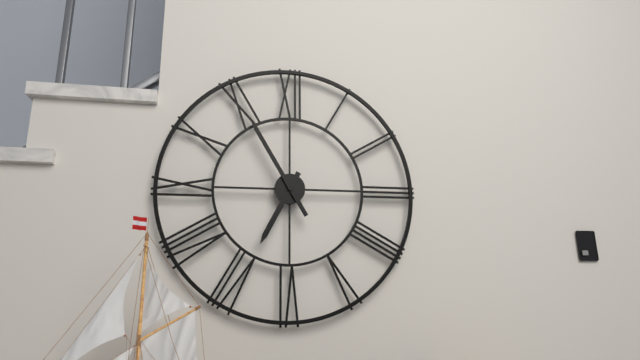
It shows 6h55
